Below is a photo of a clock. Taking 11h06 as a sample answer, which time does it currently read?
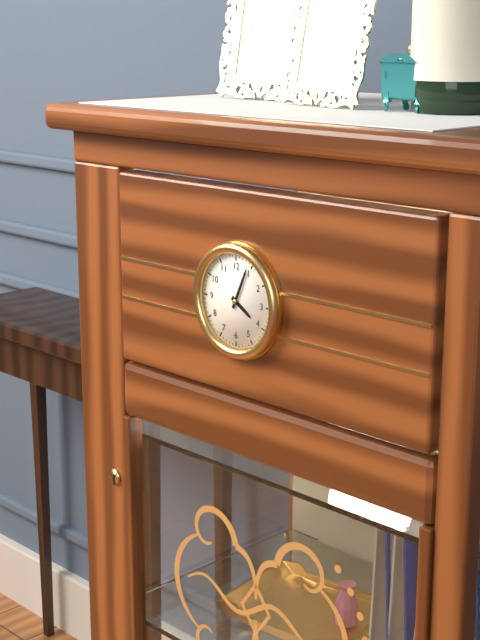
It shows 4h04
